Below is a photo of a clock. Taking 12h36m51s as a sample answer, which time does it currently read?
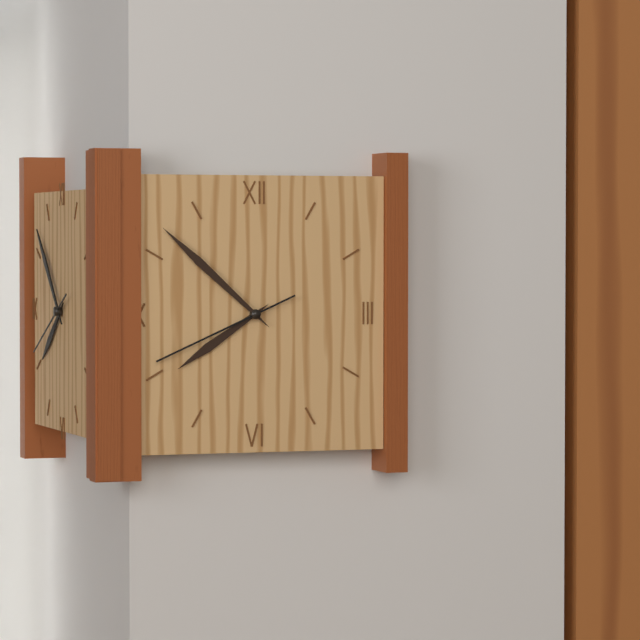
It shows 7h52m41s
